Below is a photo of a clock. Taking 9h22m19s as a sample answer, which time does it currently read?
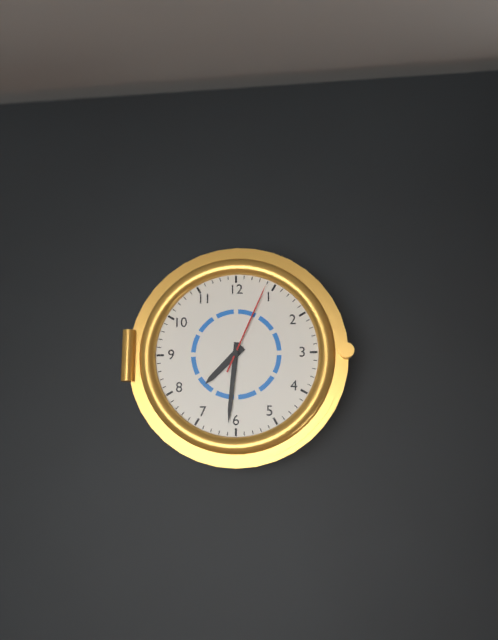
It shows 7h31m04s
